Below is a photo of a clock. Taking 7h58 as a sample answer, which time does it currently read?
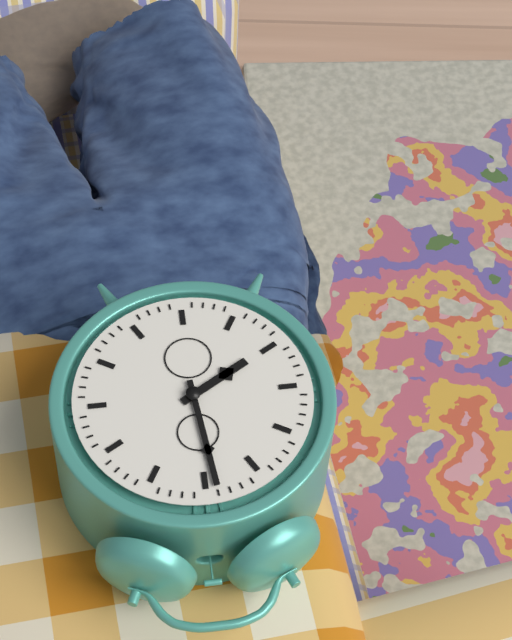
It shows 7h59
